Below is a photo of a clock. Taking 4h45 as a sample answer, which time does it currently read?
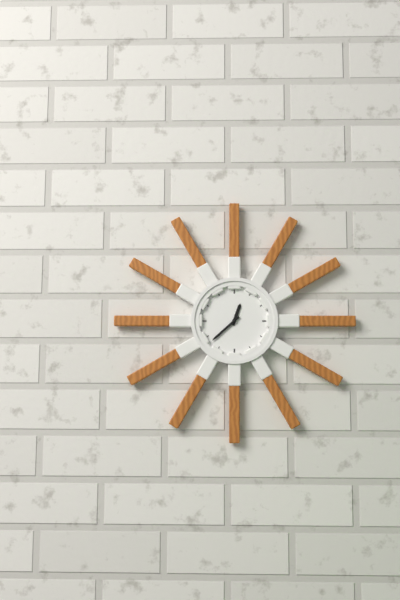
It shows 12h38
